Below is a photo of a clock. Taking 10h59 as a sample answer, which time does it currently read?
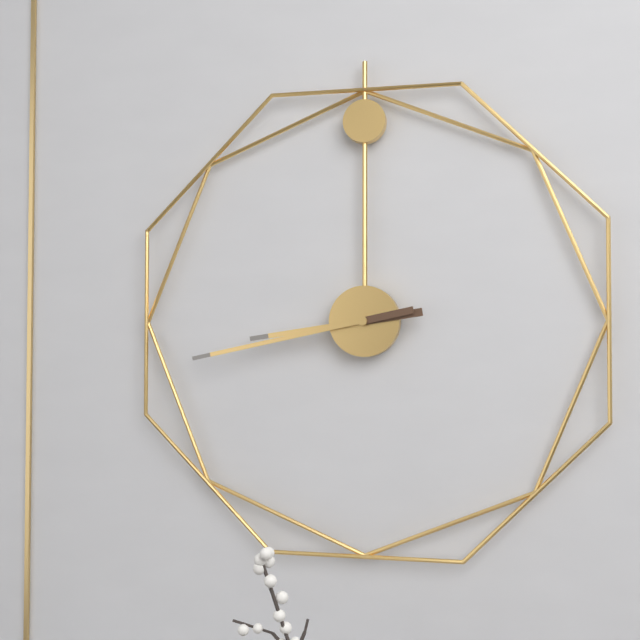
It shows 8h43
